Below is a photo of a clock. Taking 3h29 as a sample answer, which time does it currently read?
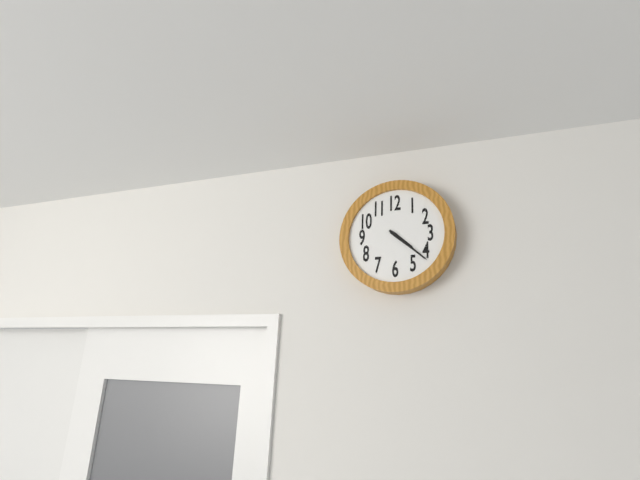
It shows 4h22
